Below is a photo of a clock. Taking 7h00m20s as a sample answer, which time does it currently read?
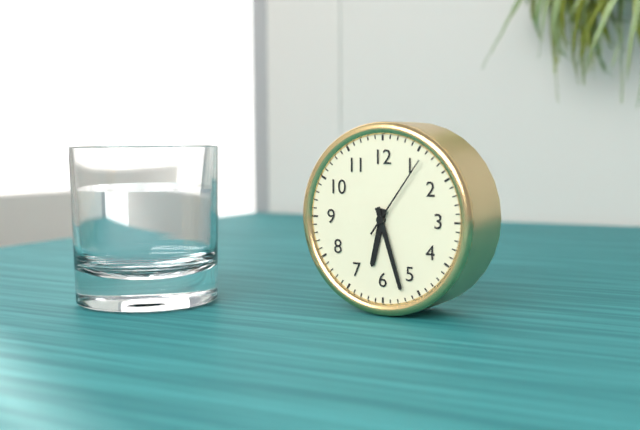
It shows 6h27m06s
